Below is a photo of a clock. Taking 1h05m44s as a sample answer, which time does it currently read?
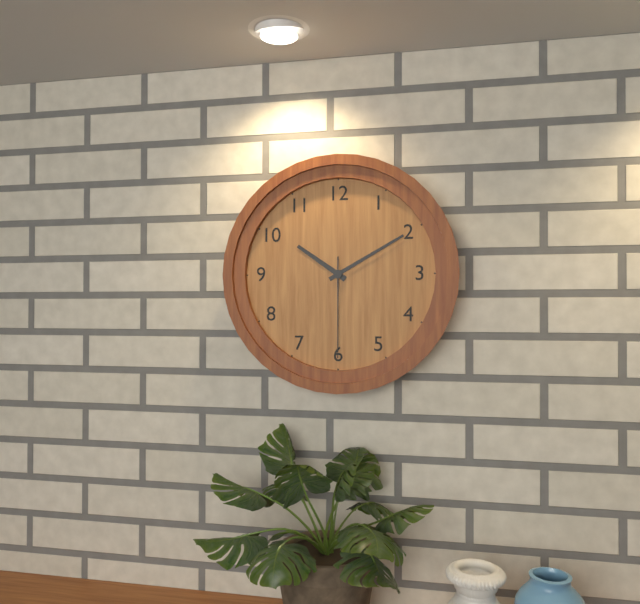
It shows 10h10m30s
